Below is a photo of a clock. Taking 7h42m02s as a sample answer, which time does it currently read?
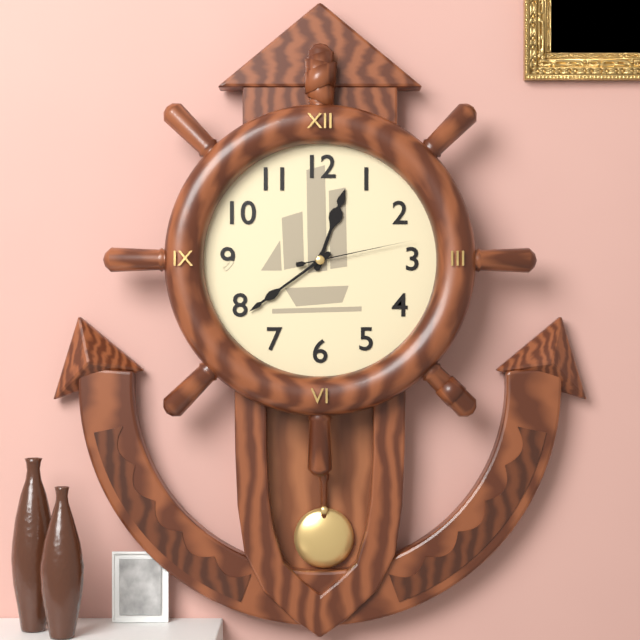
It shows 12h39m13s
